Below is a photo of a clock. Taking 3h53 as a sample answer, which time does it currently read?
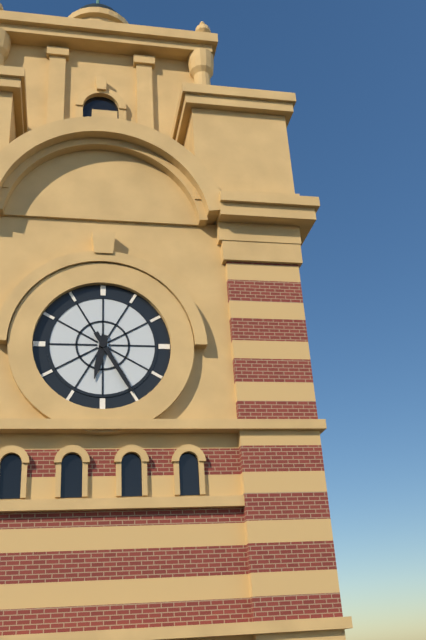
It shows 6h25
